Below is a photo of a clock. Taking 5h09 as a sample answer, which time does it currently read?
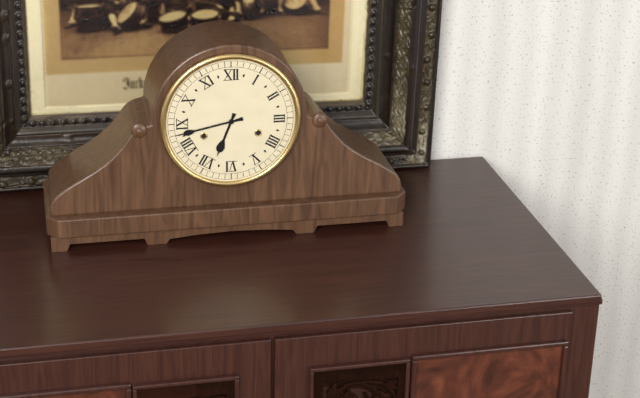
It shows 6h43
